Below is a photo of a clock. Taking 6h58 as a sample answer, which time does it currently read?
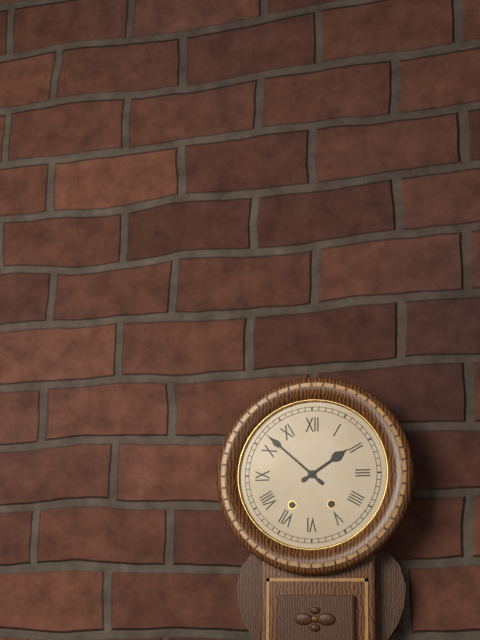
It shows 1h52
